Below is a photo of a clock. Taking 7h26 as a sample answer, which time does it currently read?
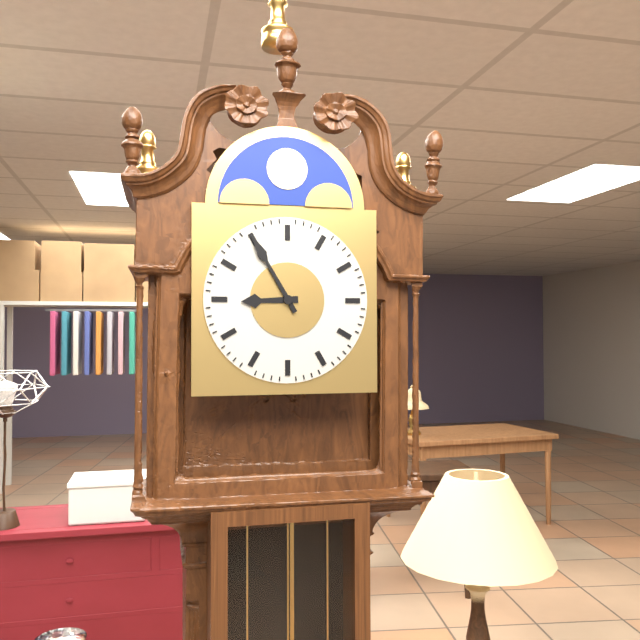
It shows 8h55
